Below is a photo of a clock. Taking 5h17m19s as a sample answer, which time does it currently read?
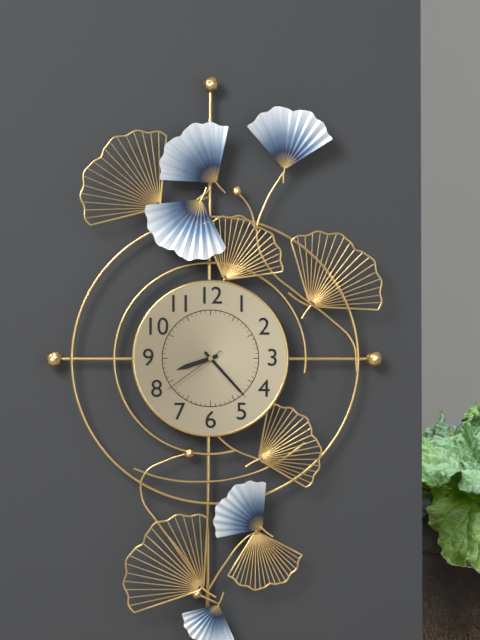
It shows 8h23m39s
